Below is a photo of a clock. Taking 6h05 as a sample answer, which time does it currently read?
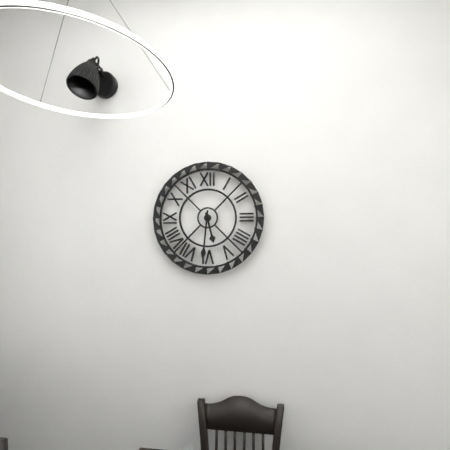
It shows 5h31
